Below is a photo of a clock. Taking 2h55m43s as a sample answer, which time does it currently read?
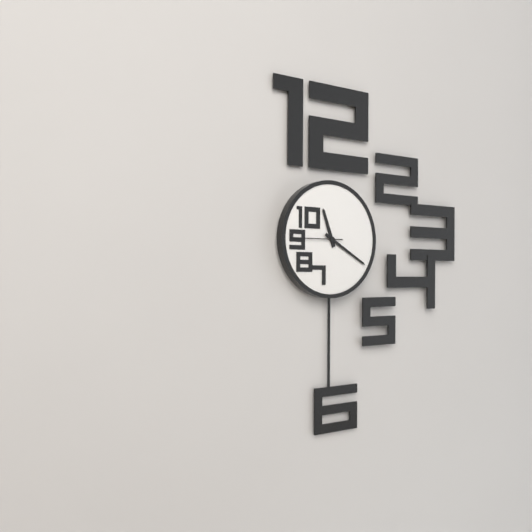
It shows 11h20m45s
